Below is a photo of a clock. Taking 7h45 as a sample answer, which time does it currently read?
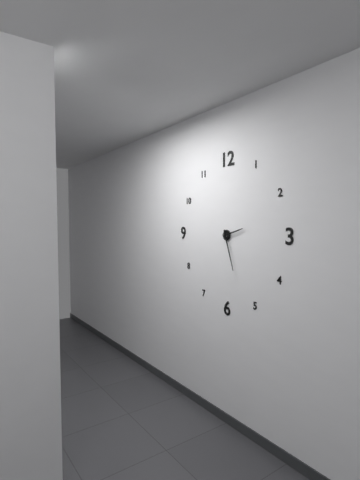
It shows 2h27
